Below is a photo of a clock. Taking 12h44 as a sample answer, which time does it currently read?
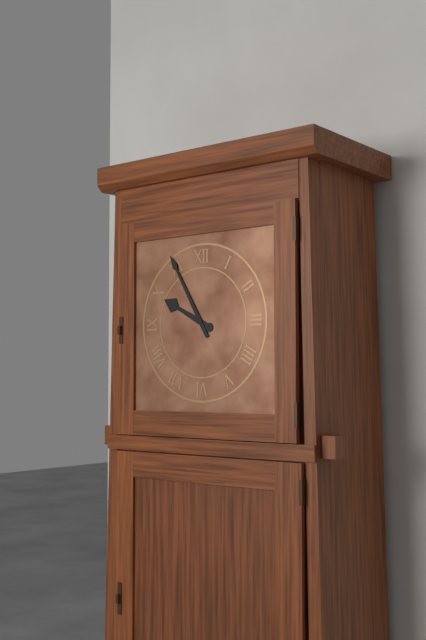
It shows 9h55
